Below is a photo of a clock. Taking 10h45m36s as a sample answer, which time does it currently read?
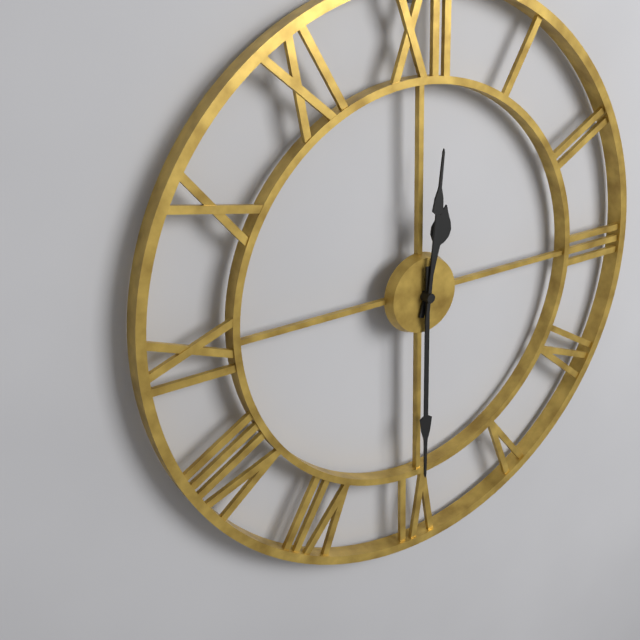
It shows 12h30m01s
